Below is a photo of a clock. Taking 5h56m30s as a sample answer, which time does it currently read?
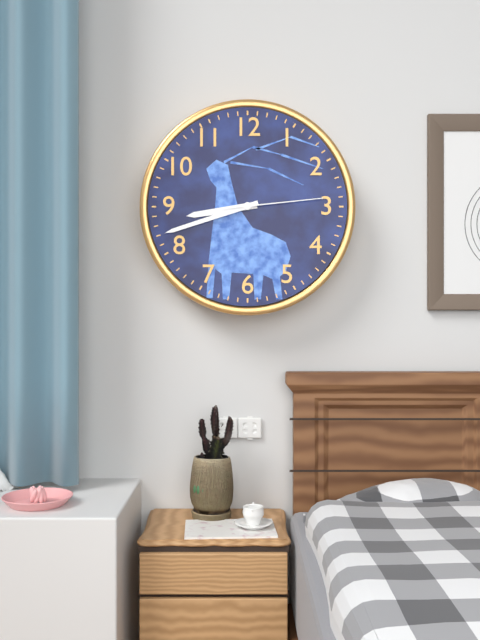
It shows 8h42m14s
